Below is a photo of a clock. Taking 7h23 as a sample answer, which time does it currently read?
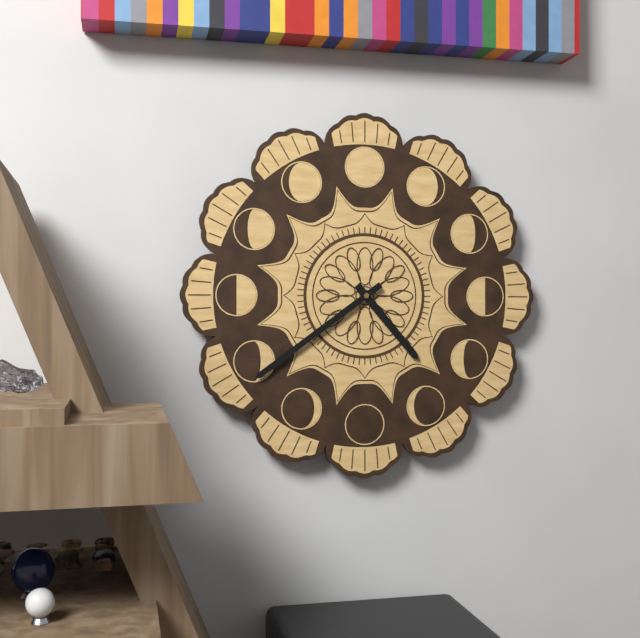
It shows 4h39
